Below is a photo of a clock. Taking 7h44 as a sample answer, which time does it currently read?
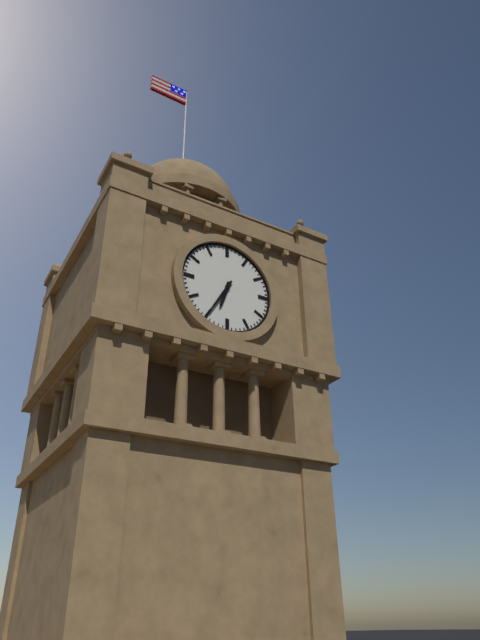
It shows 6h35
